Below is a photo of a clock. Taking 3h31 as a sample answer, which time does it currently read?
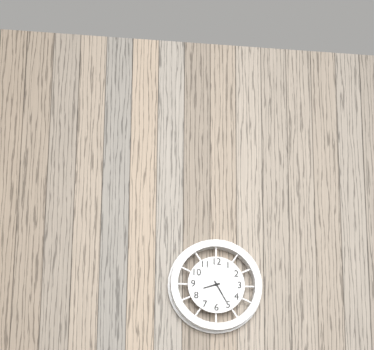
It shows 8h25
